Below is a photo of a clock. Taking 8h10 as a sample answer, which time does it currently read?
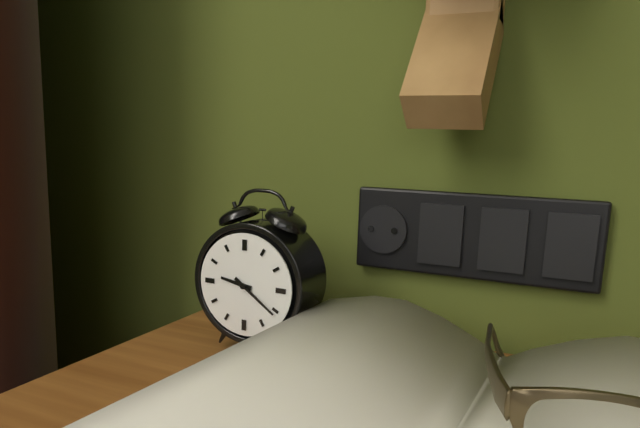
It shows 9h21
